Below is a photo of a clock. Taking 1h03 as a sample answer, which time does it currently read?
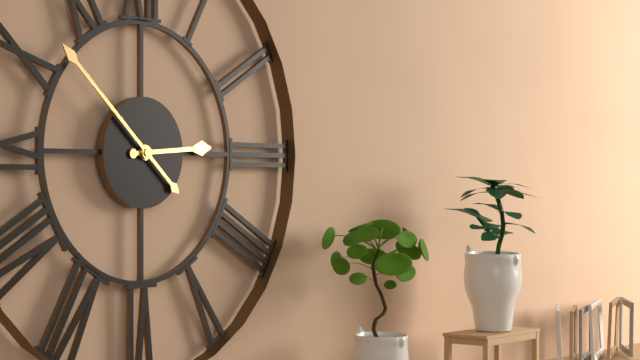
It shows 2h52
